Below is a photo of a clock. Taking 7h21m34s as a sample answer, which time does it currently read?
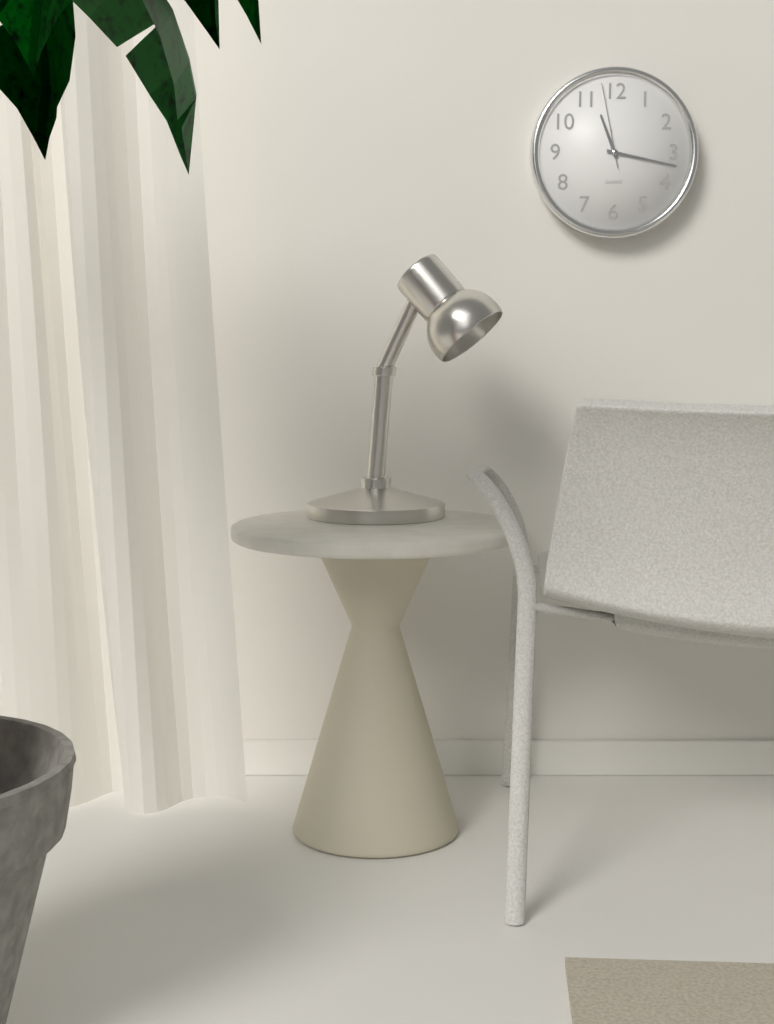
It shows 11h17m58s
